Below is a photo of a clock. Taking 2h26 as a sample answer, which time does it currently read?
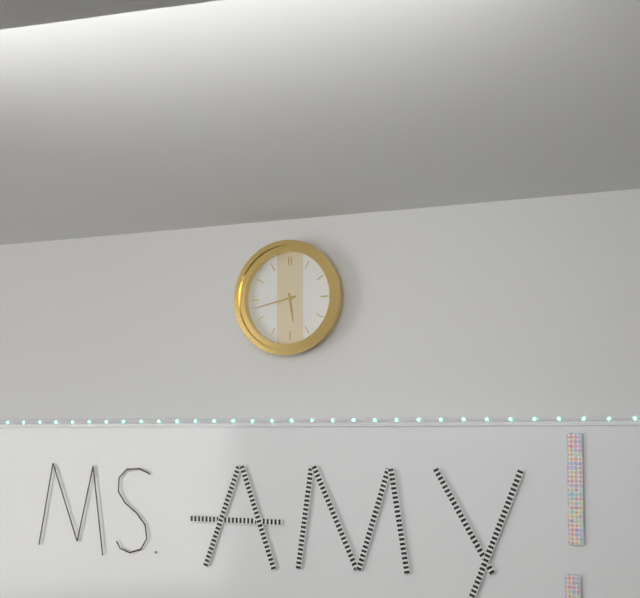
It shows 5h43
